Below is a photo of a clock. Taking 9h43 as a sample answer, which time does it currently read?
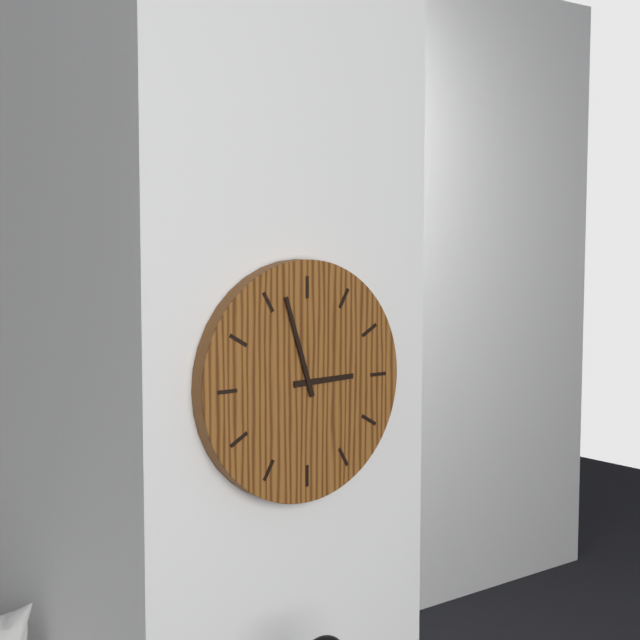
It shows 2h57
